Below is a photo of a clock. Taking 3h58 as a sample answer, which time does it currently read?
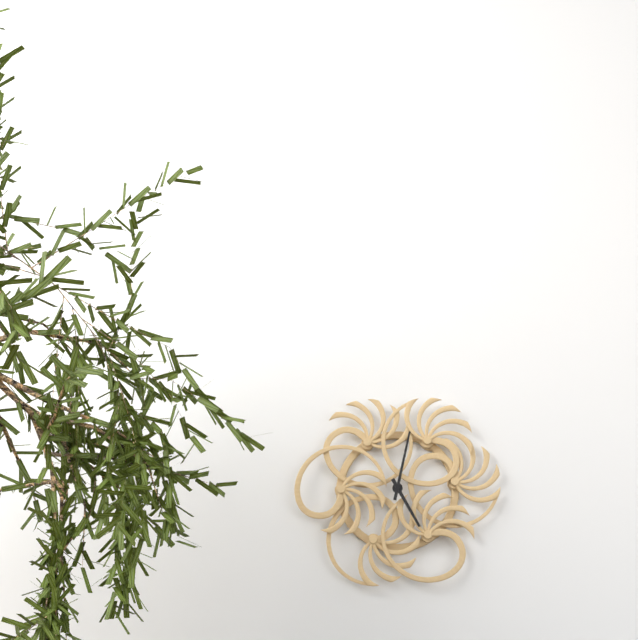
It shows 5h02
